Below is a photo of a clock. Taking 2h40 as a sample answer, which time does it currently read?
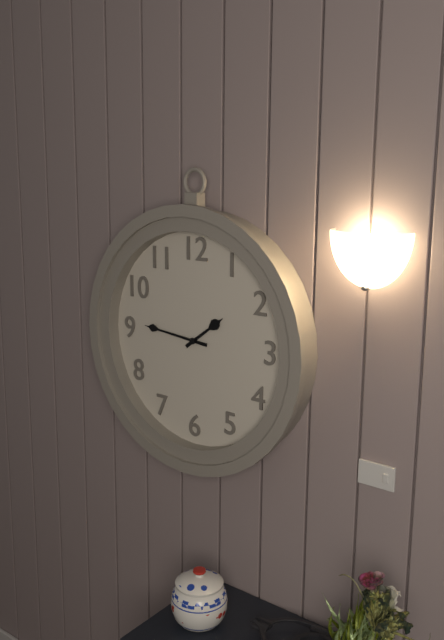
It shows 1h46
